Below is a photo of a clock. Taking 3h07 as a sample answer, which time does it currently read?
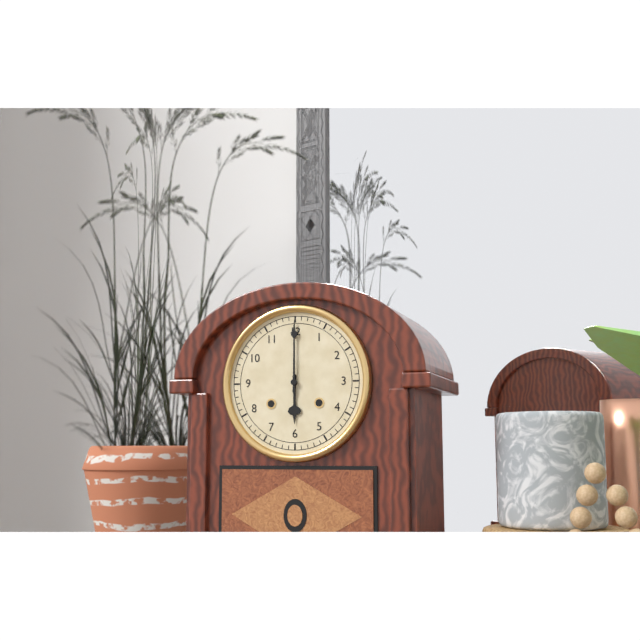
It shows 6h00
